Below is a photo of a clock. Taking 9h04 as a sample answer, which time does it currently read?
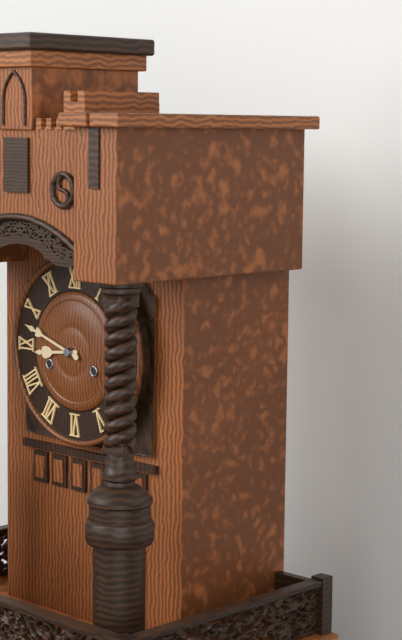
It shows 8h48
